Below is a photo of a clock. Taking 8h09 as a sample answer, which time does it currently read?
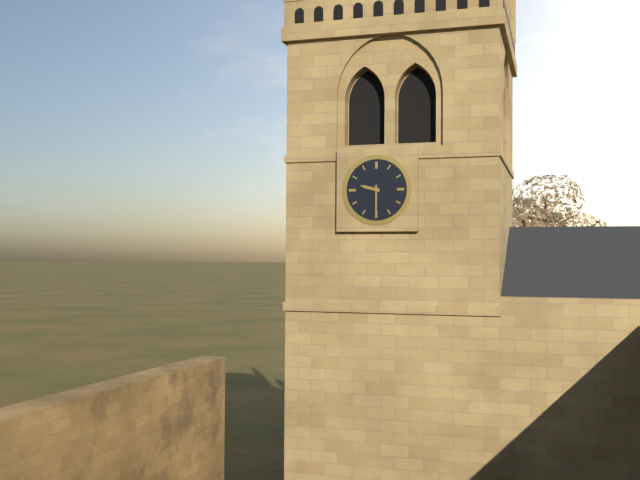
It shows 9h30
